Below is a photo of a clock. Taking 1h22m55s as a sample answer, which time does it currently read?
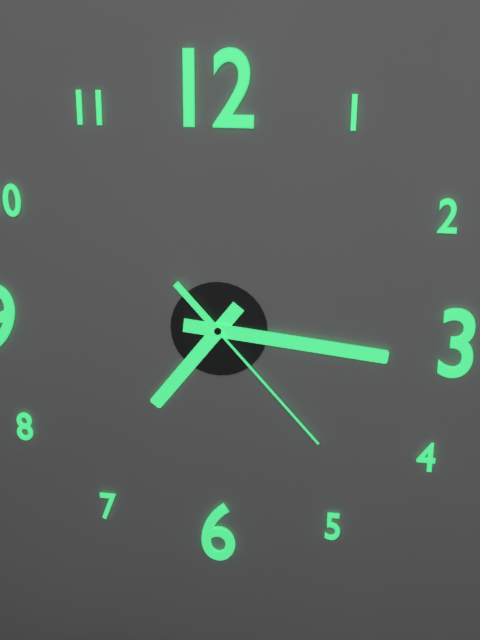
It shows 7h16m23s
